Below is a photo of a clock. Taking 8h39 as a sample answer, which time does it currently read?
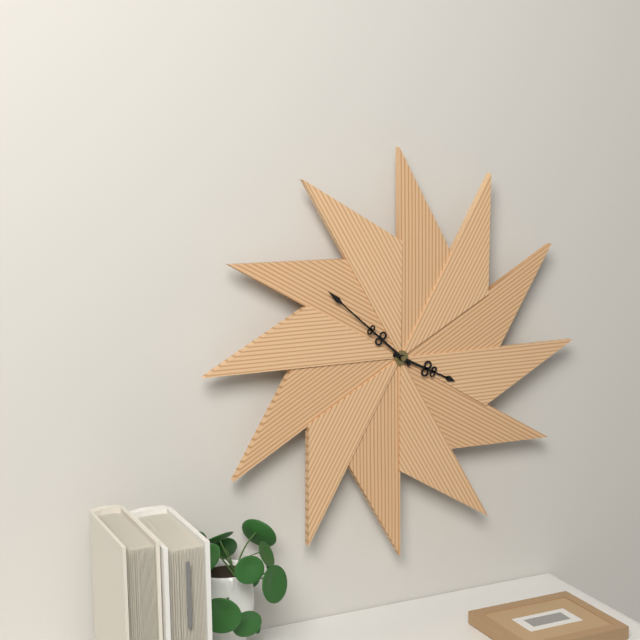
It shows 3h52
